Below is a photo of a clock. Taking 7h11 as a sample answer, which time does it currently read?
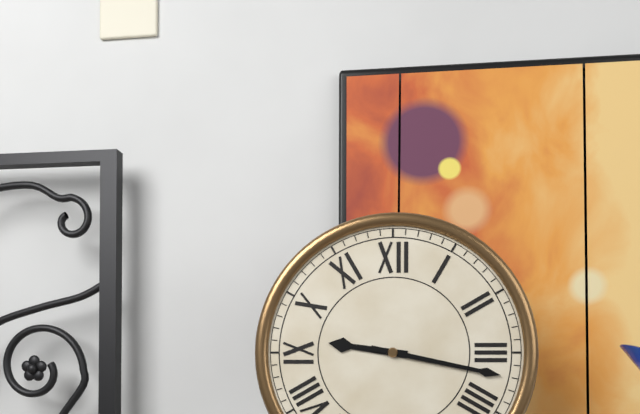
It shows 9h17
